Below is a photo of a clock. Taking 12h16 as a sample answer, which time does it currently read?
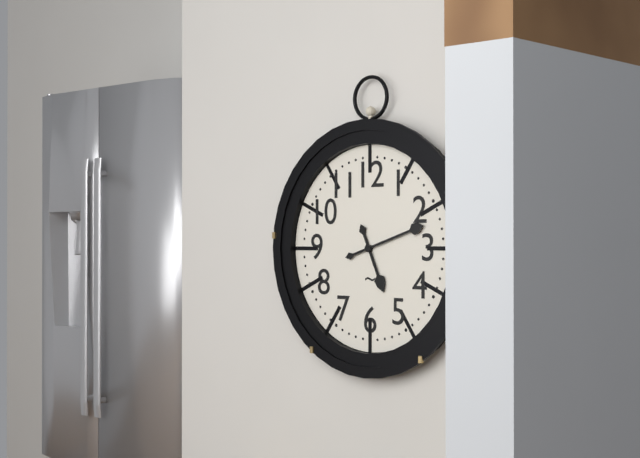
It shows 5h12
